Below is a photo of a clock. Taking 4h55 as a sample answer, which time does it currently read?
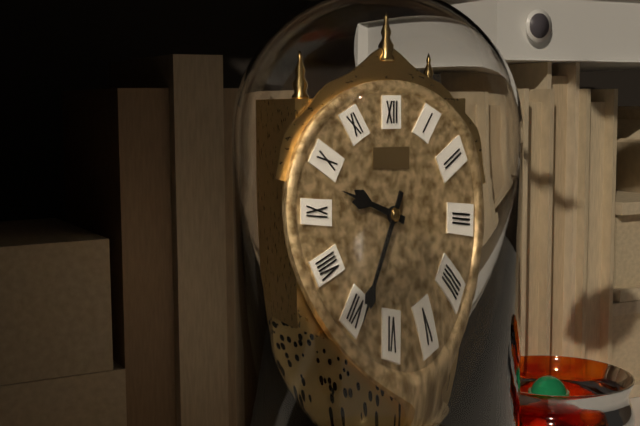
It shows 9h34
